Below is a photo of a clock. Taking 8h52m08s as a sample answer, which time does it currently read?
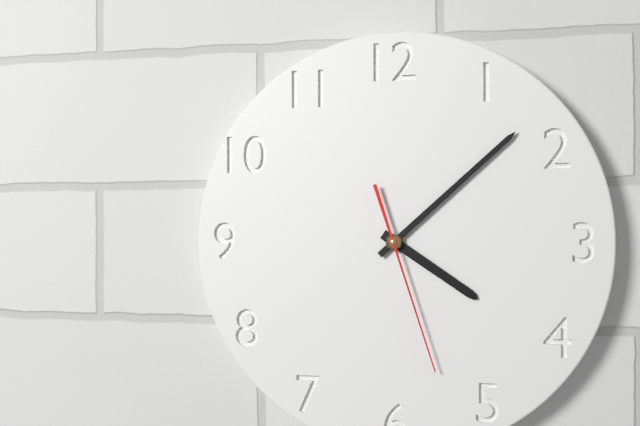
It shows 4h08m27s
